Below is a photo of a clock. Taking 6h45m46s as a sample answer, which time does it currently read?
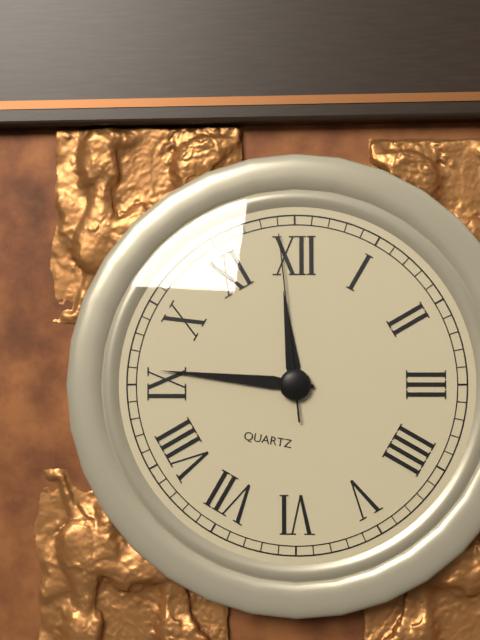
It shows 11h46m59s
